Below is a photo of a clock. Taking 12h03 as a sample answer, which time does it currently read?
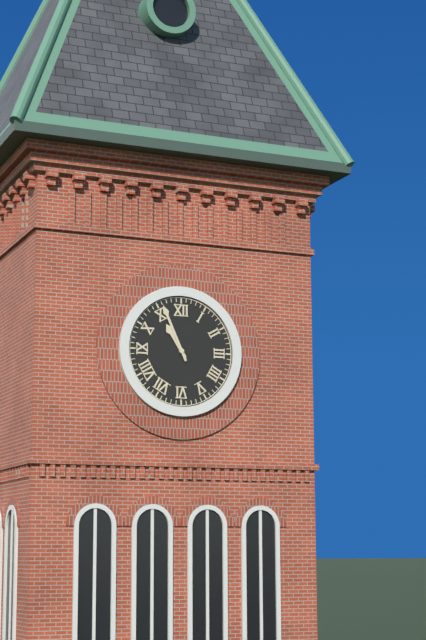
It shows 10h56
